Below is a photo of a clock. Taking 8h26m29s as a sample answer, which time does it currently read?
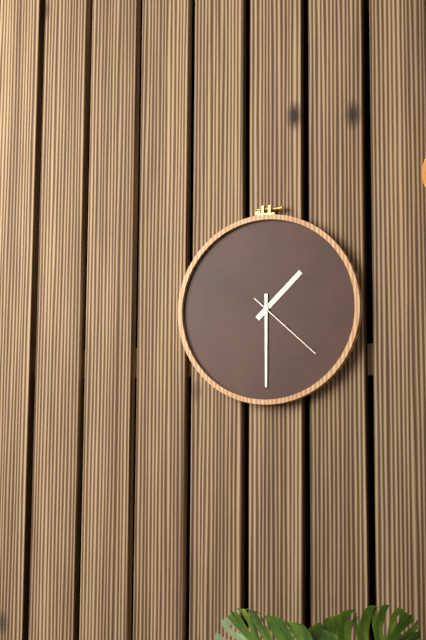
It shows 1h30m22s
